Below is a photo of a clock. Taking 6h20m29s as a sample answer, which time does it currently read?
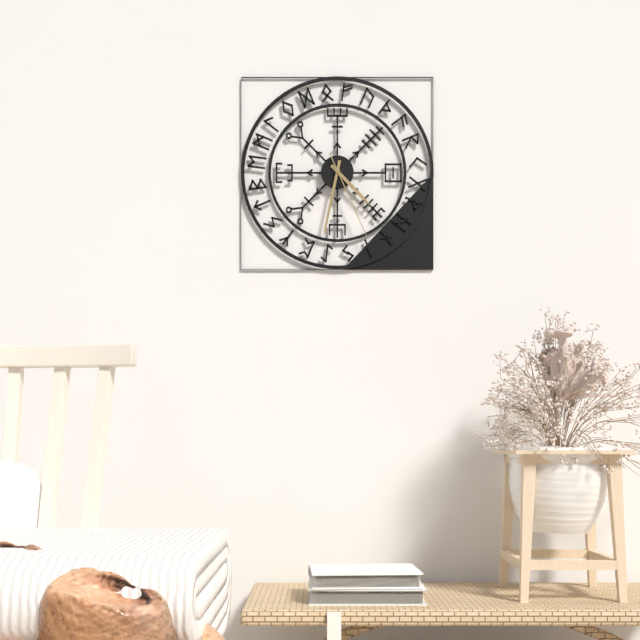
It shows 4h32m26s
